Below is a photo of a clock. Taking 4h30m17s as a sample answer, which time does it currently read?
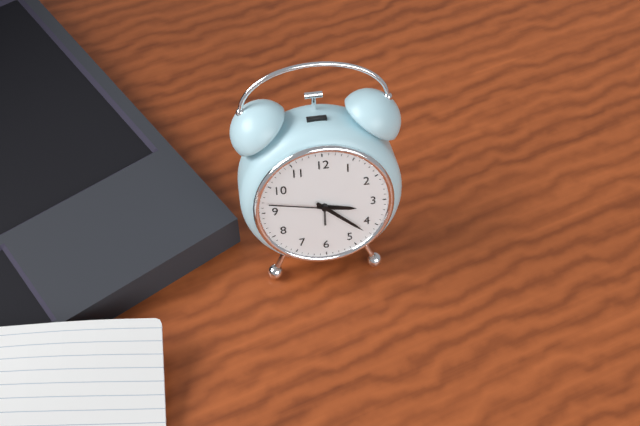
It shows 3h22m47s
